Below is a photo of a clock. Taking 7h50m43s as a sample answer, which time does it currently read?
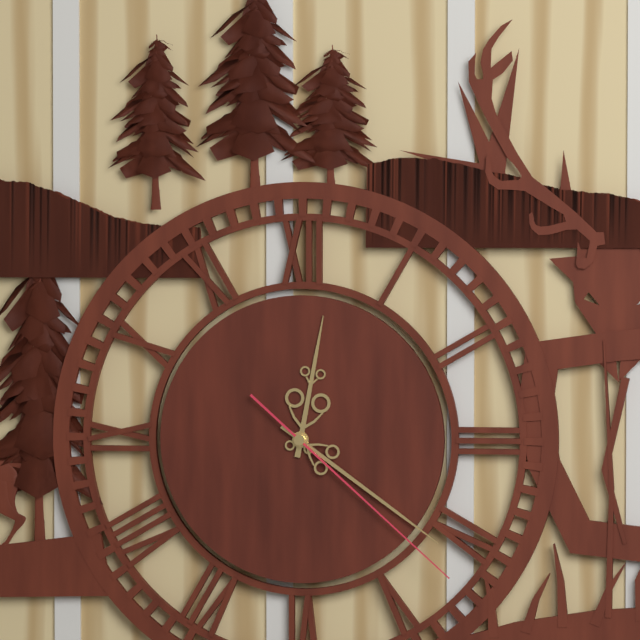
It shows 12h21m22s
